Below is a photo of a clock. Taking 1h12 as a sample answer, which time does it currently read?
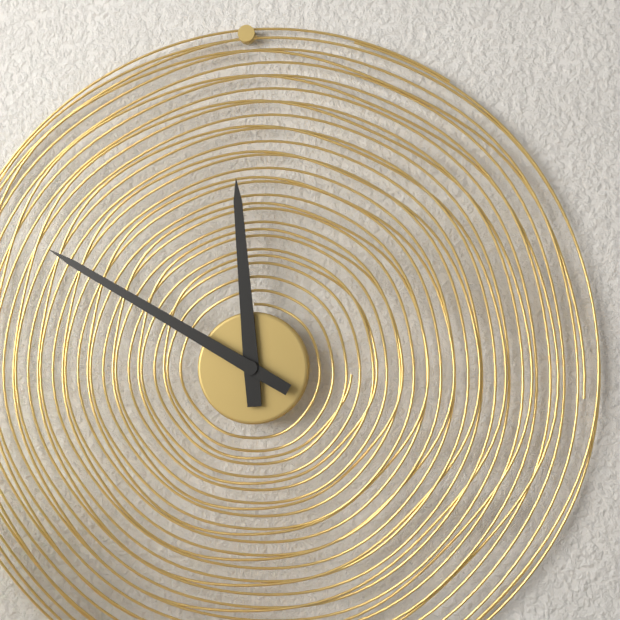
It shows 11h50
